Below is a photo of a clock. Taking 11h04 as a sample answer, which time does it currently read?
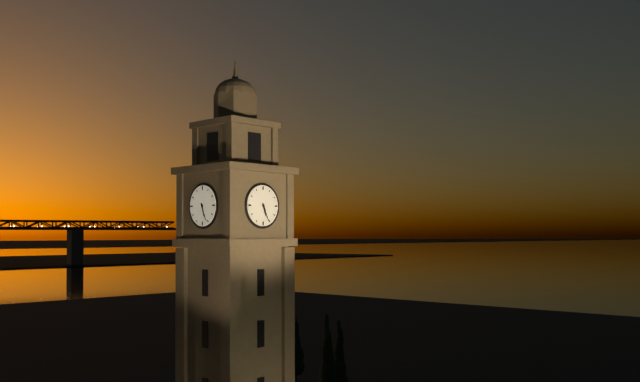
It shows 5h26
